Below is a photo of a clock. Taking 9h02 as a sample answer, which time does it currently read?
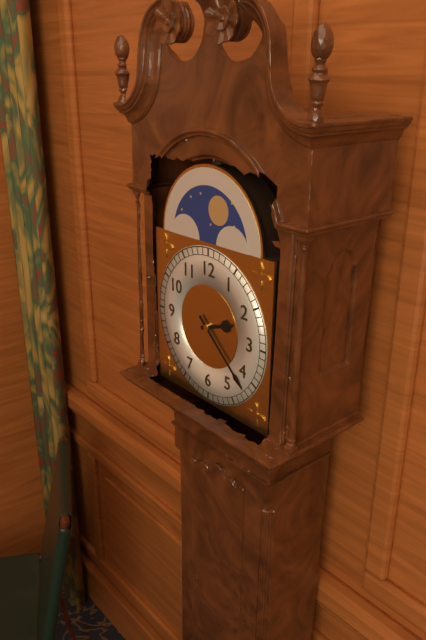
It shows 2h22
